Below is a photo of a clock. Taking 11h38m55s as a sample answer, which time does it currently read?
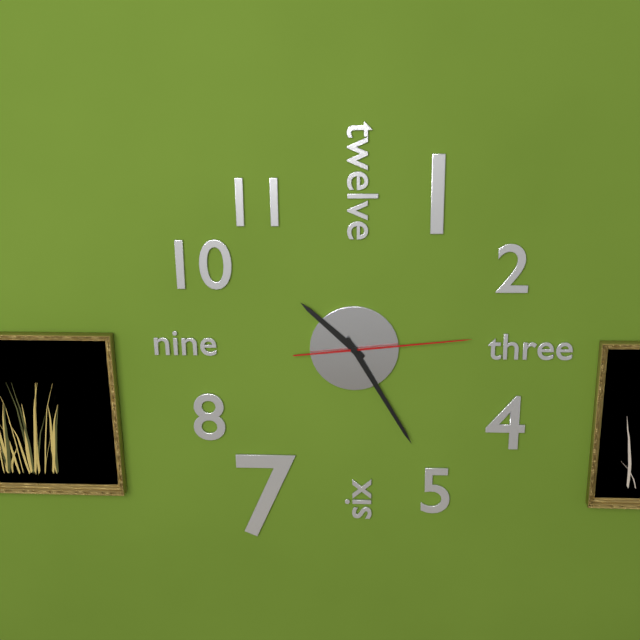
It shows 10h25m14s
